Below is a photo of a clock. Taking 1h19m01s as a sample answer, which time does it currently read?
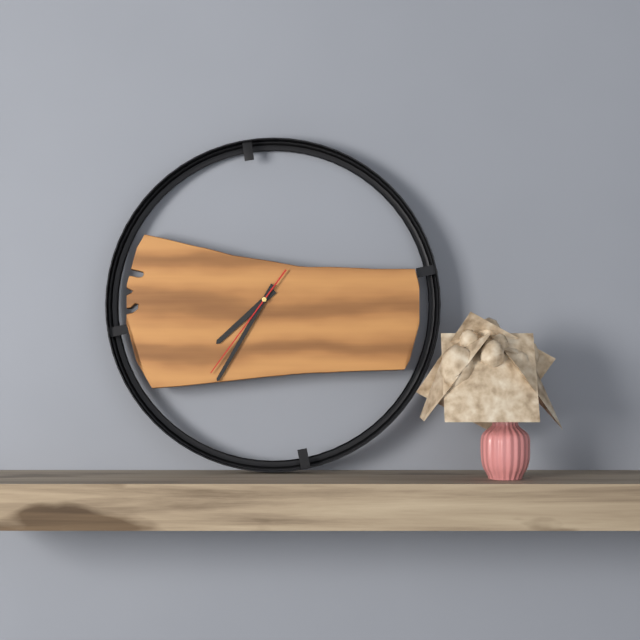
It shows 7h35m36s
